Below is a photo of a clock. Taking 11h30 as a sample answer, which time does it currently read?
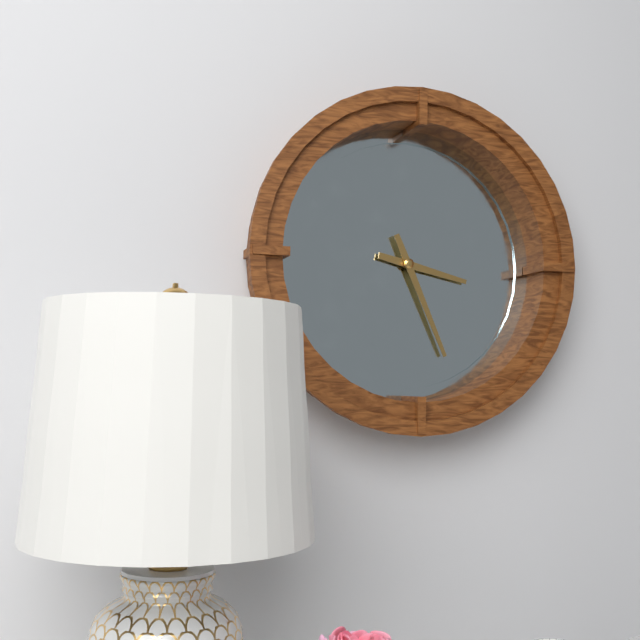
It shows 3h26
